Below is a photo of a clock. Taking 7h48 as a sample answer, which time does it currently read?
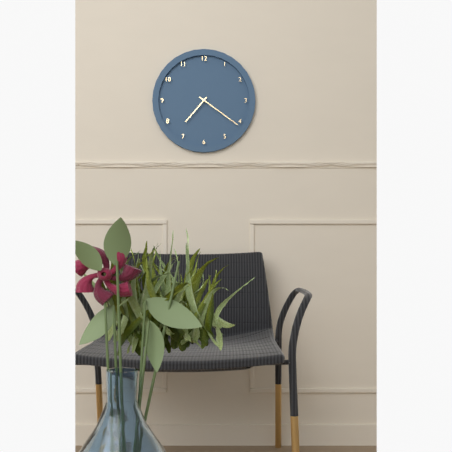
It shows 7h21
